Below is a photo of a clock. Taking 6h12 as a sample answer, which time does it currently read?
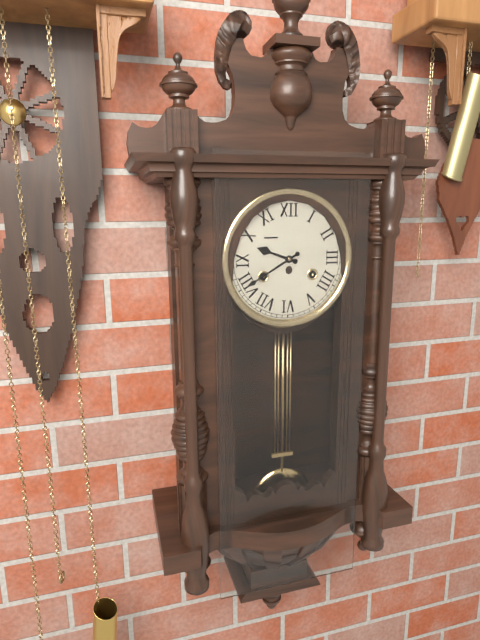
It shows 9h40
